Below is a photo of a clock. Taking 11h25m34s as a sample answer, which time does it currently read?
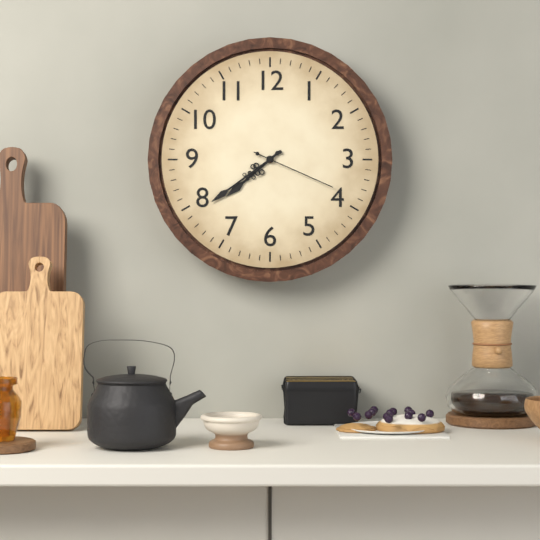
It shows 7h39m19s
